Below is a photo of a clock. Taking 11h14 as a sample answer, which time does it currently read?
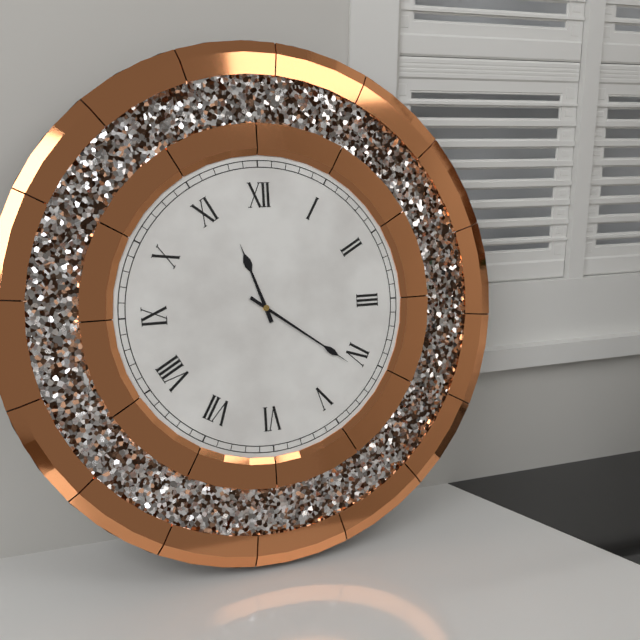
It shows 11h21
